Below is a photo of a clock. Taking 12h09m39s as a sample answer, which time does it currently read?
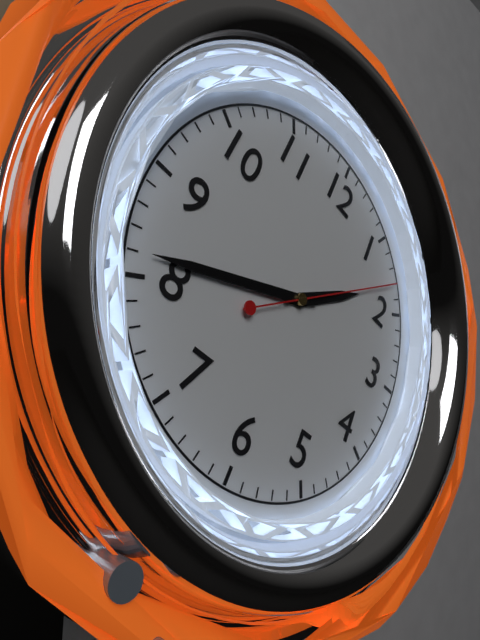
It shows 1h41m08s
